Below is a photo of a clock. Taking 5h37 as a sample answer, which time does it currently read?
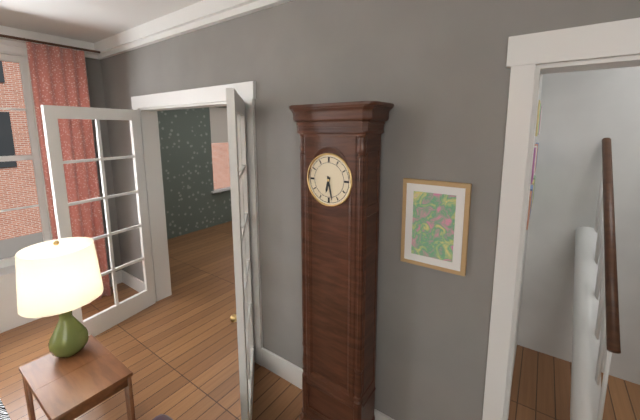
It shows 6h28
